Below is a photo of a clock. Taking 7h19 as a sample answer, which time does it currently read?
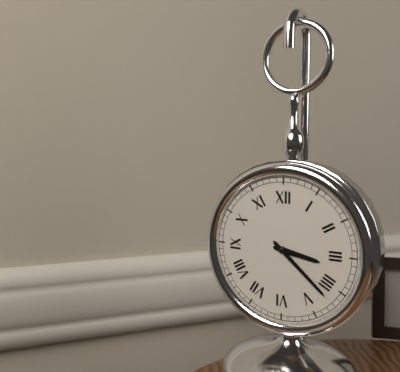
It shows 3h22
